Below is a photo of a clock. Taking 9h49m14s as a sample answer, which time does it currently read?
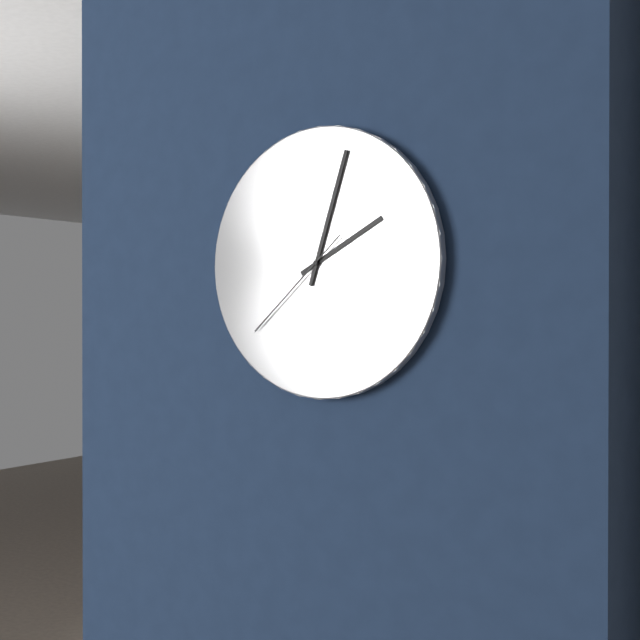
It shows 2h03m38s
